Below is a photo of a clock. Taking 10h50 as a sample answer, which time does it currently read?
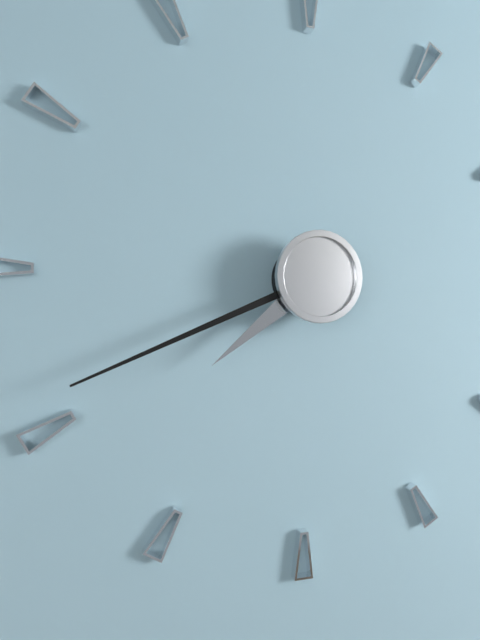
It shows 7h41
